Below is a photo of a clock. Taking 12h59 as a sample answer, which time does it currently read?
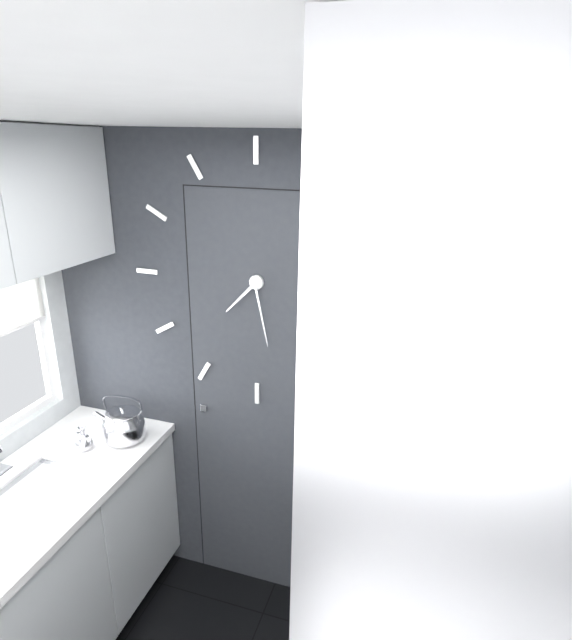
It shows 7h28
